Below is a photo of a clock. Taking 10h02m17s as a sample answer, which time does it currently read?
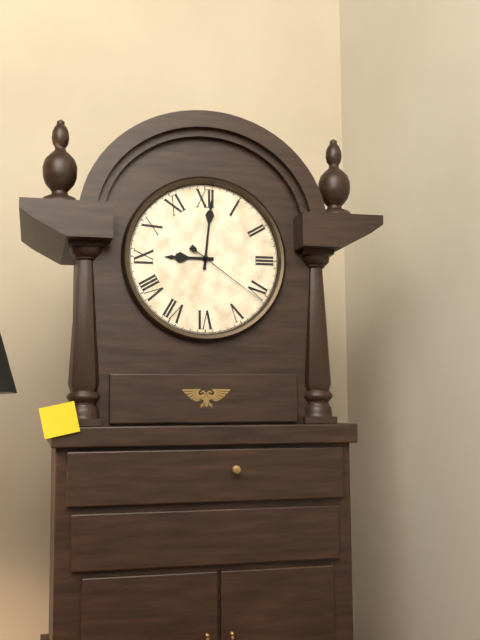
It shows 9h01m21s
